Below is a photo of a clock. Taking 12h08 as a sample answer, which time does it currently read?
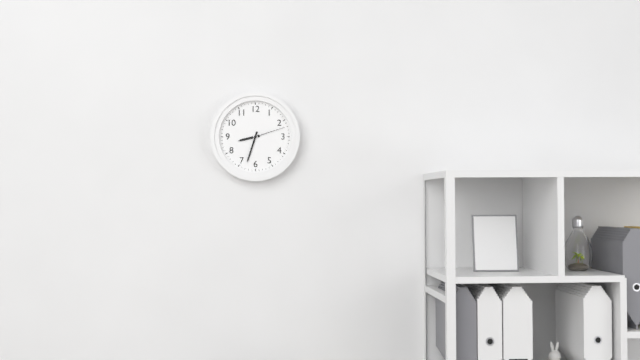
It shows 8h33
